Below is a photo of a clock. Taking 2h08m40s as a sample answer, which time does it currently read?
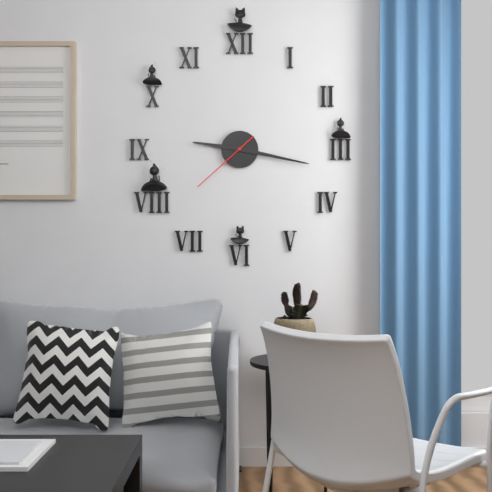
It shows 9h17m38s
